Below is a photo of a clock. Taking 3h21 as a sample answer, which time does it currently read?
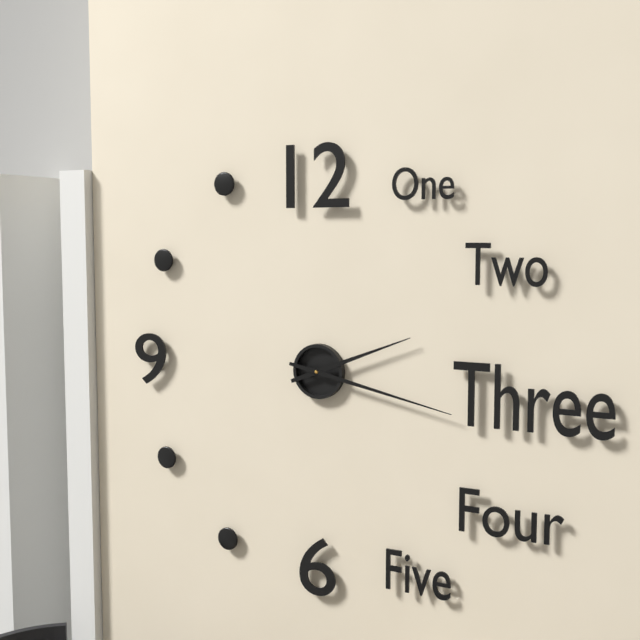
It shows 2h17
